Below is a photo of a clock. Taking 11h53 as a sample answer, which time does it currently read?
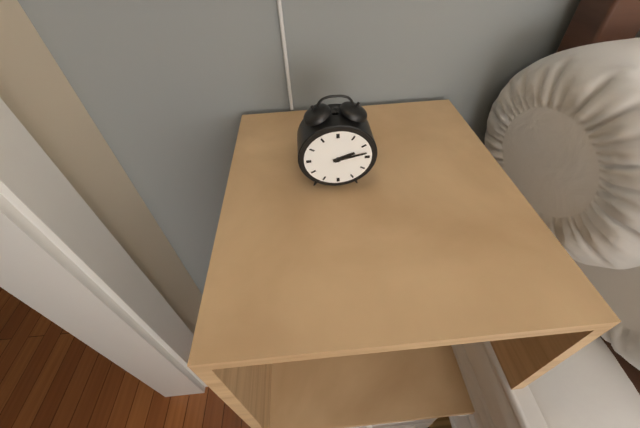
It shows 2h13
